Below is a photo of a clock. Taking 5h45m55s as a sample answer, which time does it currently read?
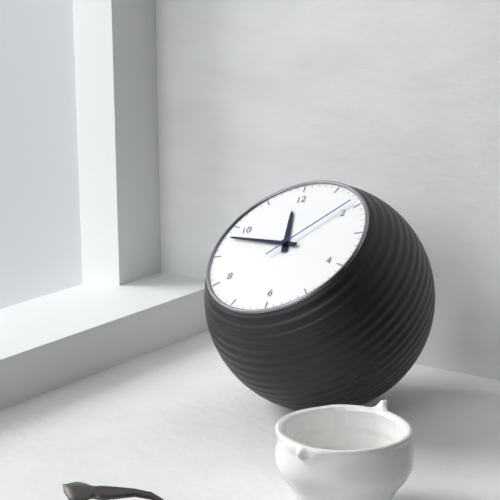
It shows 11h48m09s
